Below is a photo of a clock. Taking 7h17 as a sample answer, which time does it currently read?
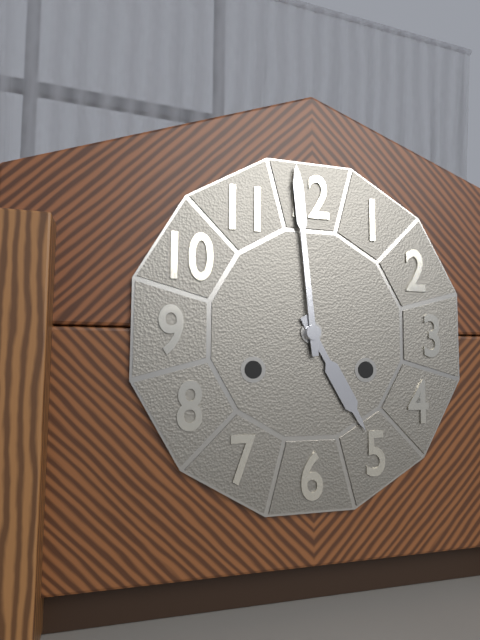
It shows 4h59
